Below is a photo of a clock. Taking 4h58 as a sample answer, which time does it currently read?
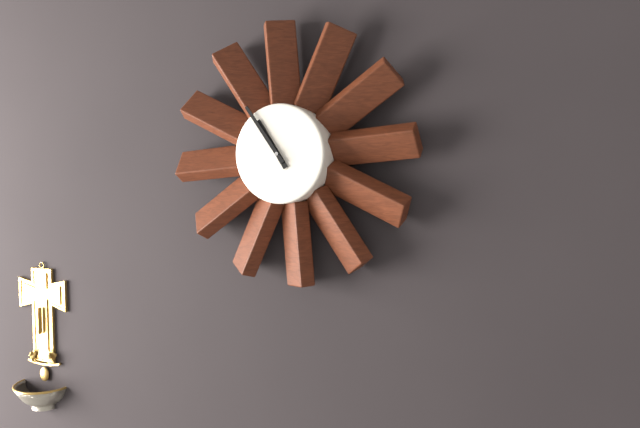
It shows 10h54
